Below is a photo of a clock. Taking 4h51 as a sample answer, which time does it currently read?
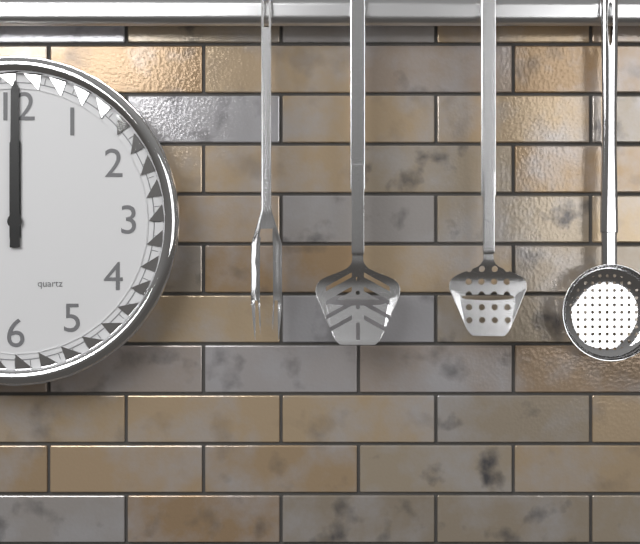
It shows 12h00
